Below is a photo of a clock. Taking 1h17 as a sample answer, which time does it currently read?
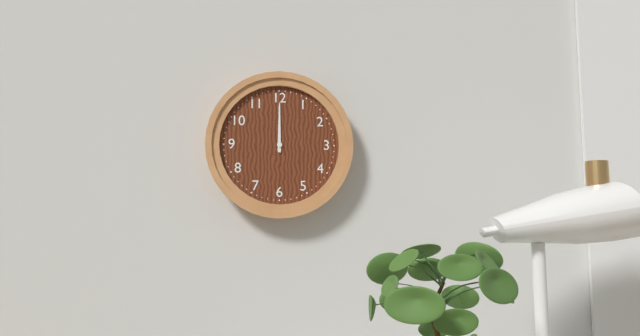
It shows 12h00
